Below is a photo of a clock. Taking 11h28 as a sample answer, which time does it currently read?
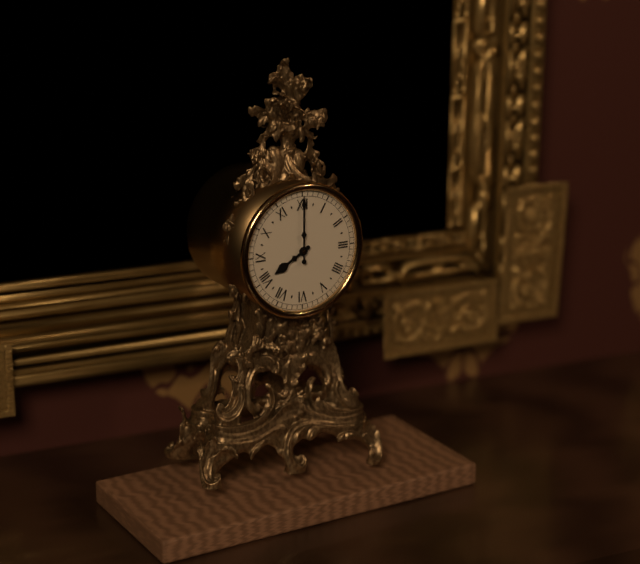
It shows 8h00
